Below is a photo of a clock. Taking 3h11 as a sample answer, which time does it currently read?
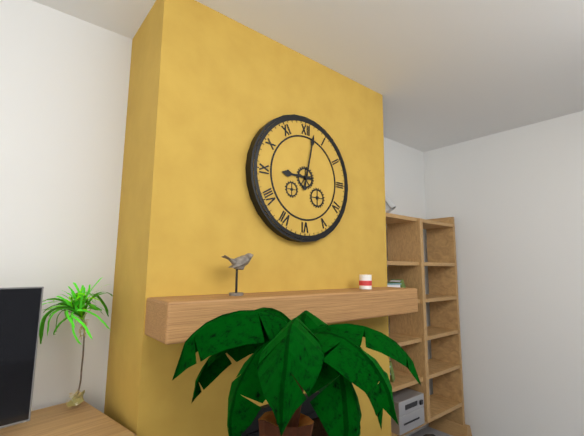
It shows 9h02
